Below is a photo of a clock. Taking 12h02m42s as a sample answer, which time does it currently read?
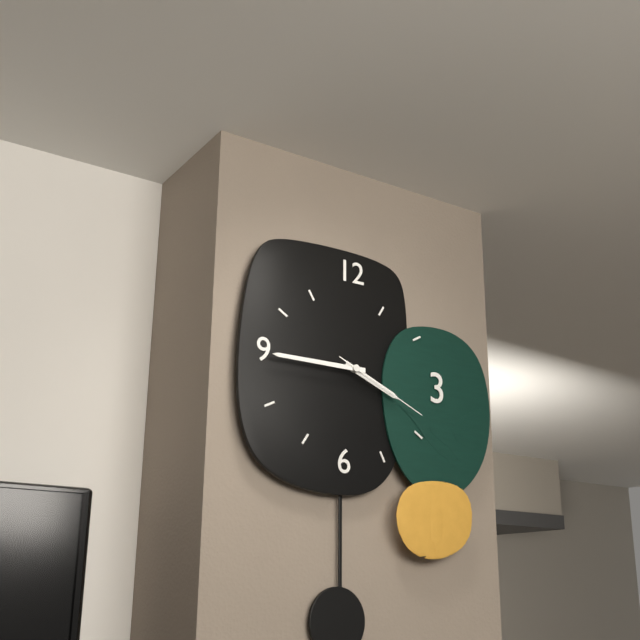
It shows 3h45m19s
